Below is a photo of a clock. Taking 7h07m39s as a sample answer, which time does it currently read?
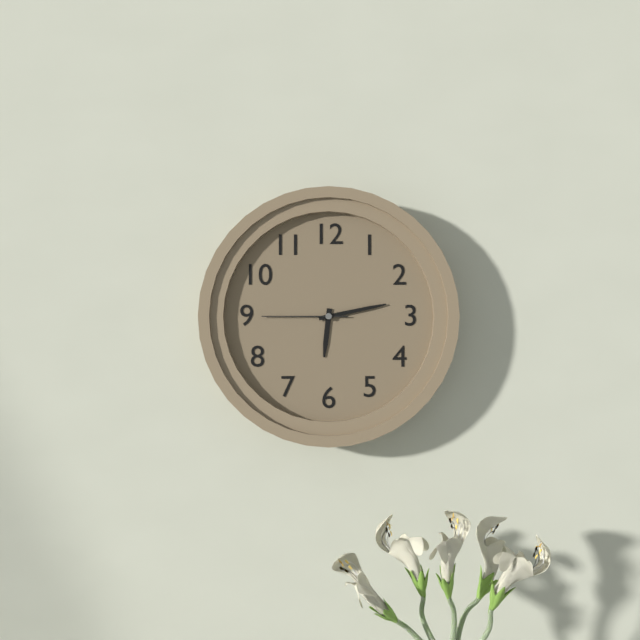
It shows 6h13m45s
